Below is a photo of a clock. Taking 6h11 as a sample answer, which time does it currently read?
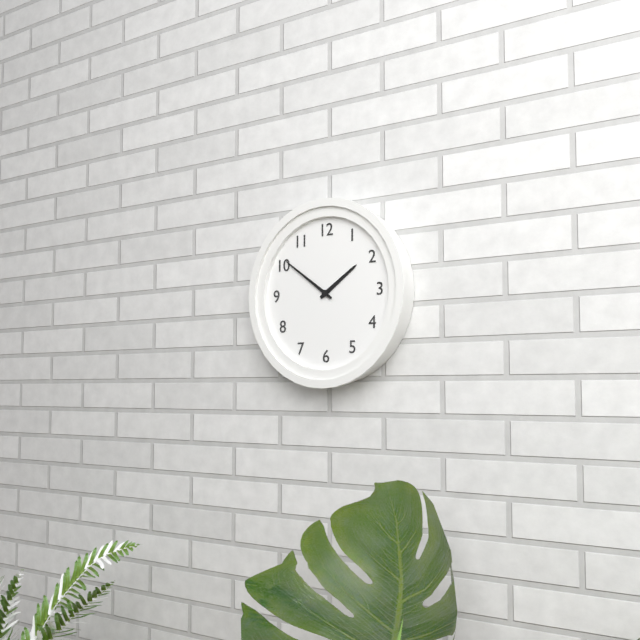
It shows 1h51
